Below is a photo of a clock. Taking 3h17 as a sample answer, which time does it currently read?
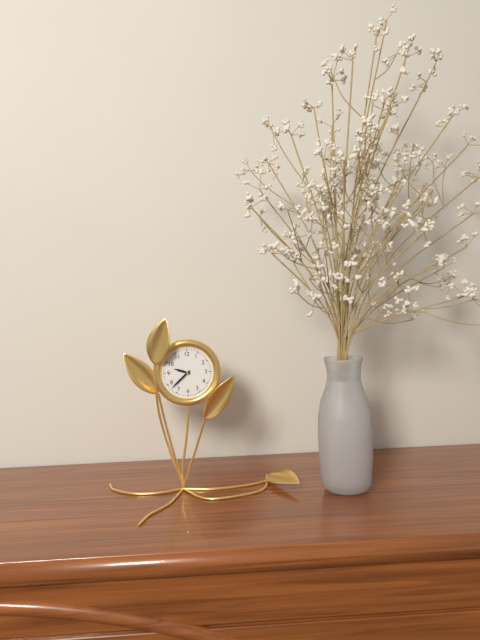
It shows 9h38
